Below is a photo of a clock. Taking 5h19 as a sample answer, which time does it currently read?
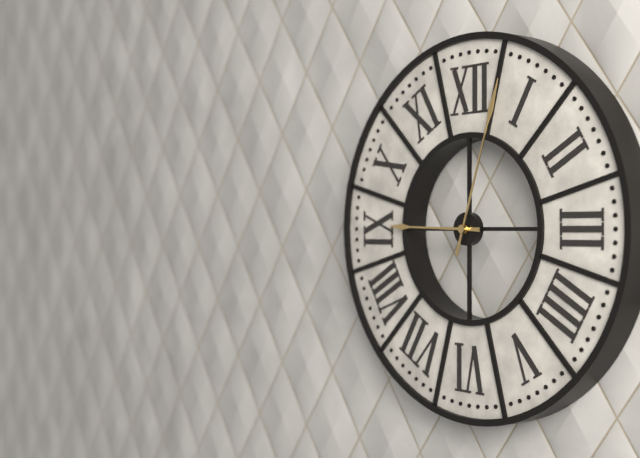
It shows 9h03
